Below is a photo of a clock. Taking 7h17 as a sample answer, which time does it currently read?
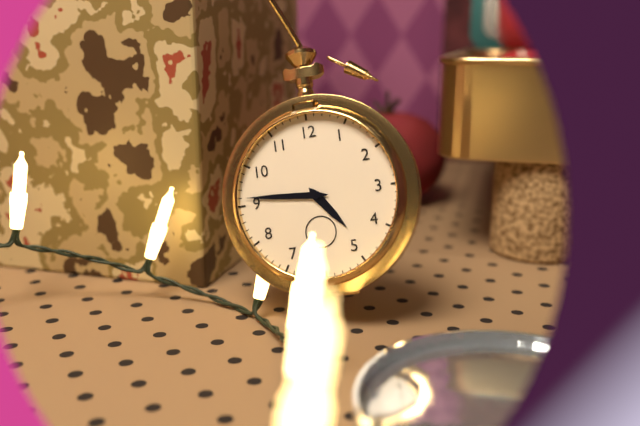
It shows 4h46
